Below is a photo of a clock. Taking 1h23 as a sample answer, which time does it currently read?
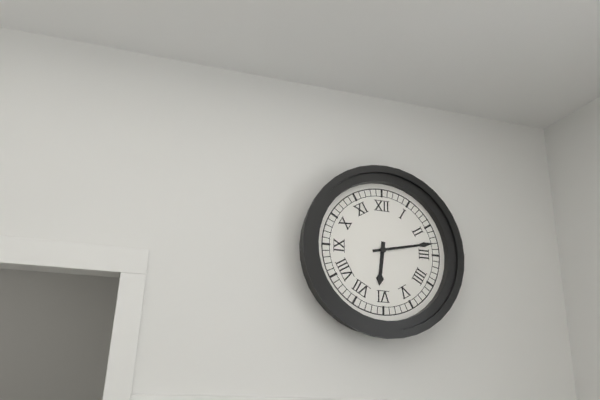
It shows 6h13
